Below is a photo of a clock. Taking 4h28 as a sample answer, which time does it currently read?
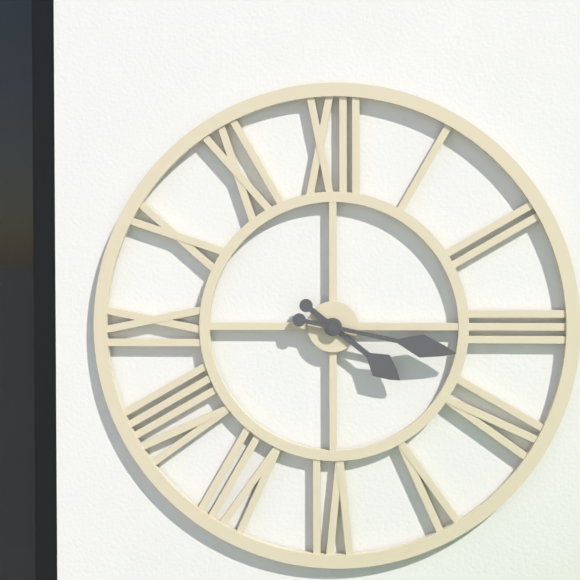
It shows 4h17
